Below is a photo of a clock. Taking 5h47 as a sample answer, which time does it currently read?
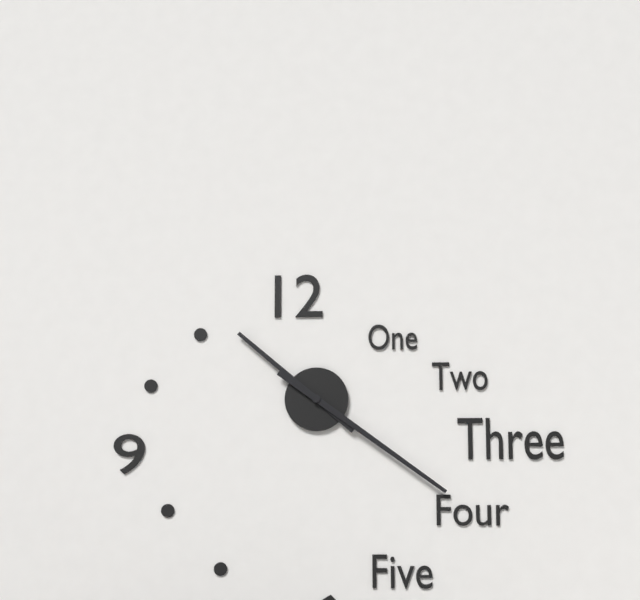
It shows 10h21
